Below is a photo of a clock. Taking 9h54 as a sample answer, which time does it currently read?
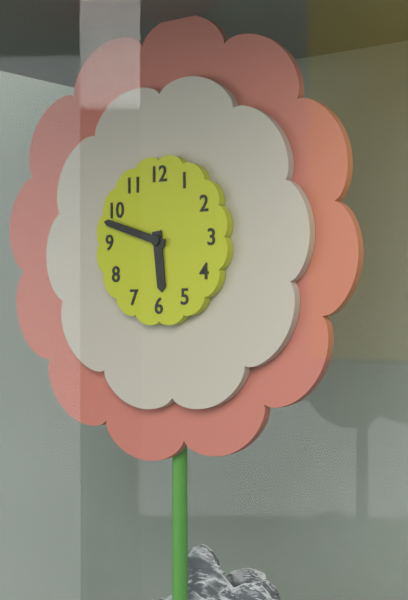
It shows 5h48
